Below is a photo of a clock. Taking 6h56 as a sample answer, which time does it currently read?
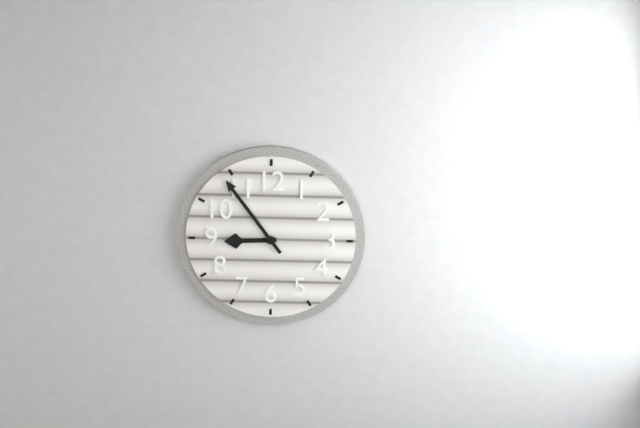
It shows 8h54
